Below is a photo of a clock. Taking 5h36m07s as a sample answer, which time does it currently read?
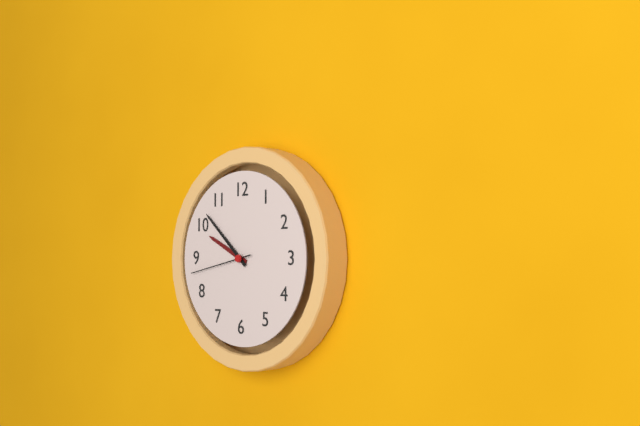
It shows 9h52m43s
